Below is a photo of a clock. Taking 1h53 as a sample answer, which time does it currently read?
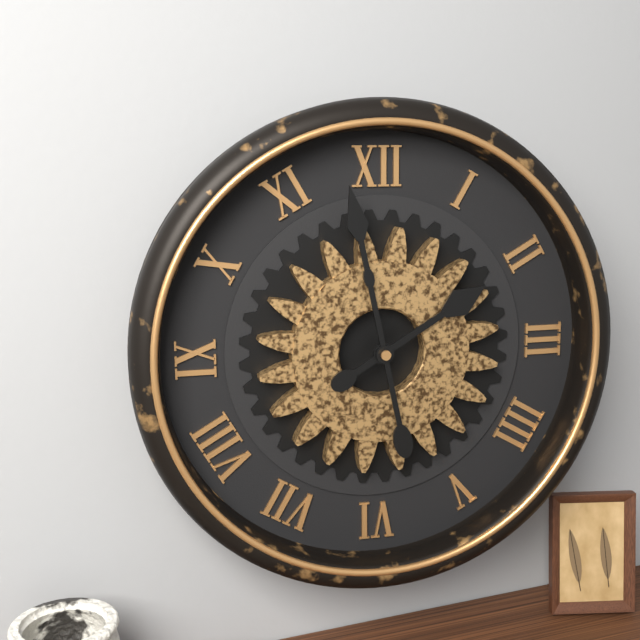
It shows 1h58
